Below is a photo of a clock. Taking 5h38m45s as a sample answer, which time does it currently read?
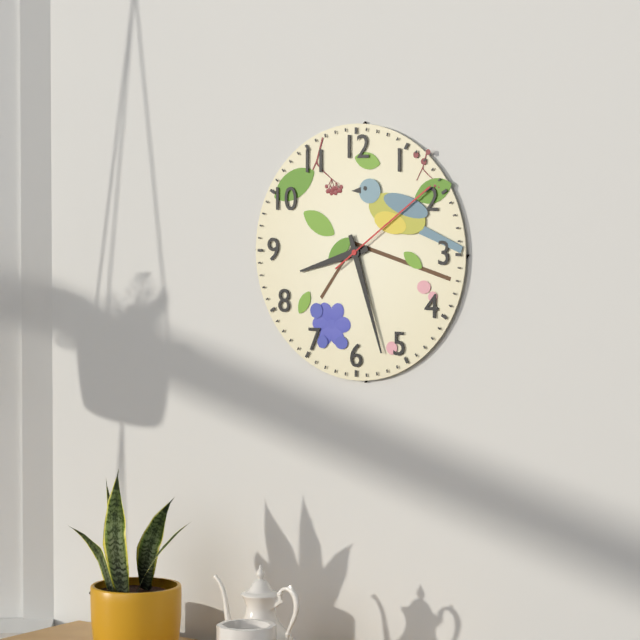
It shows 8h27m09s
